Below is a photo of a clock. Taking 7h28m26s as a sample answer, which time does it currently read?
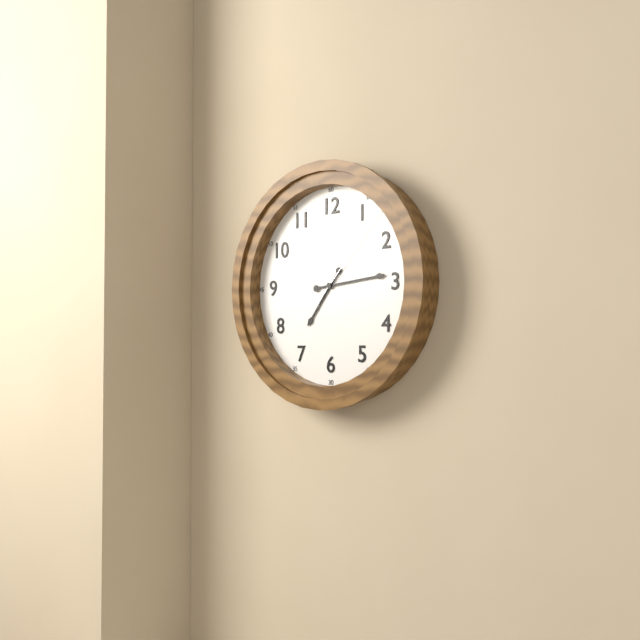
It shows 7h14m07s
